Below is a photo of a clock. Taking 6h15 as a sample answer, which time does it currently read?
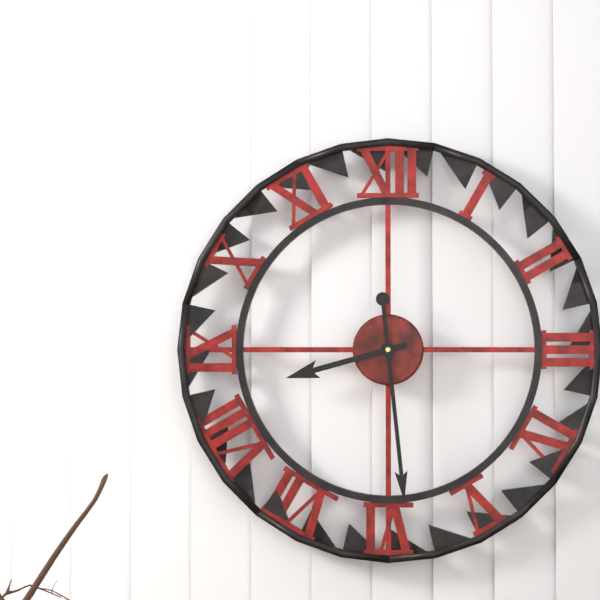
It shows 8h29
